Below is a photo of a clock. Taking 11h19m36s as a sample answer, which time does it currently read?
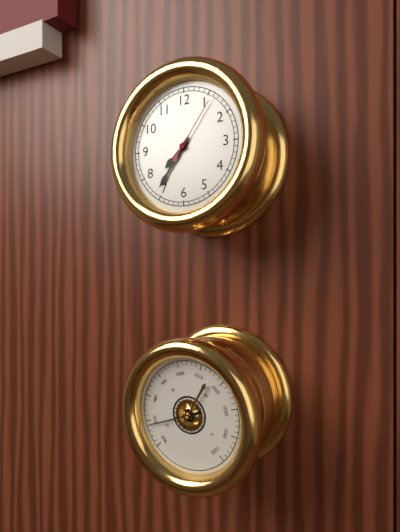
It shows 7h36m06s
